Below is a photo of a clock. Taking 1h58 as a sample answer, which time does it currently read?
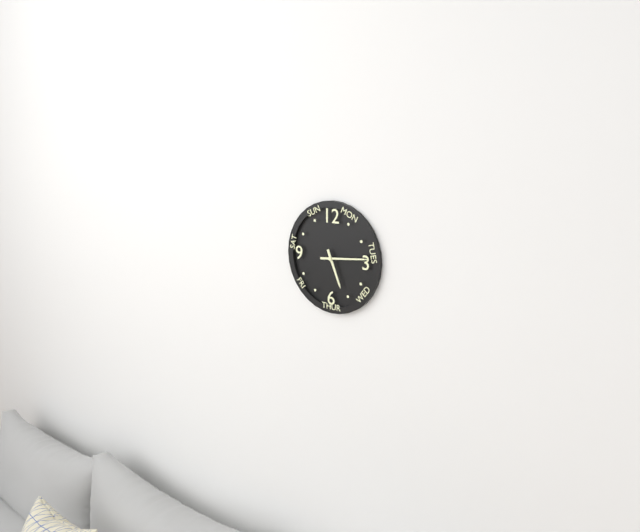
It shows 5h14
